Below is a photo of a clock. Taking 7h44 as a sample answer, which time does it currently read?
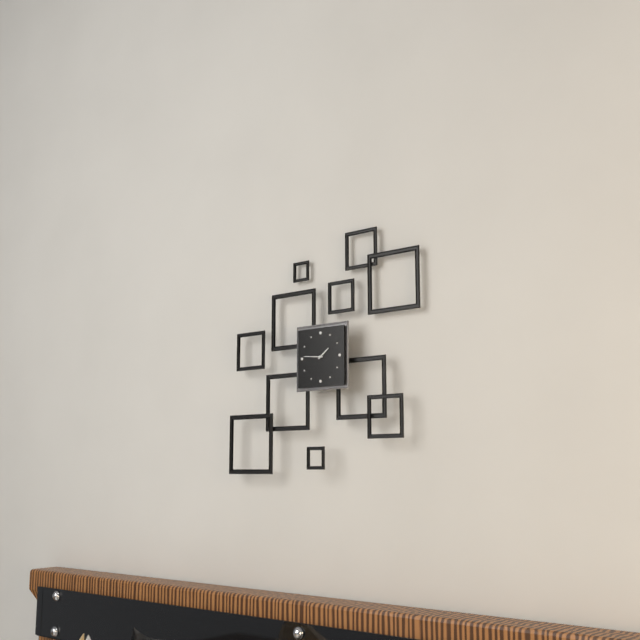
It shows 1h46
